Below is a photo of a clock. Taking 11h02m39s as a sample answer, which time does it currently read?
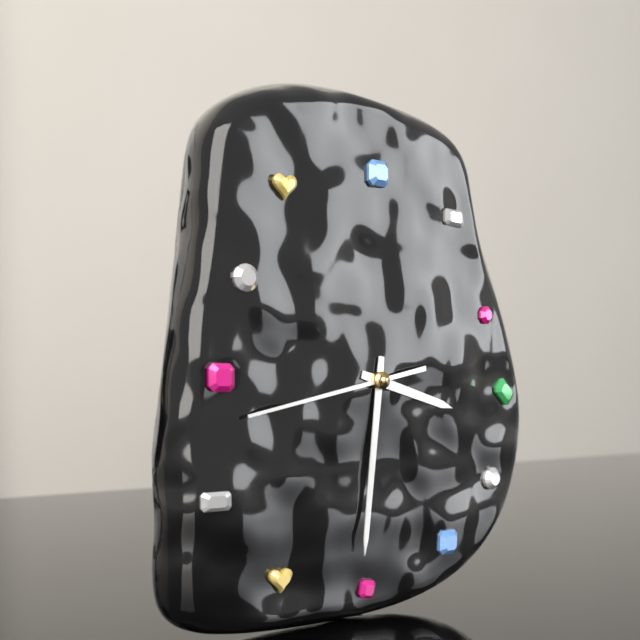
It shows 3h31m43s
